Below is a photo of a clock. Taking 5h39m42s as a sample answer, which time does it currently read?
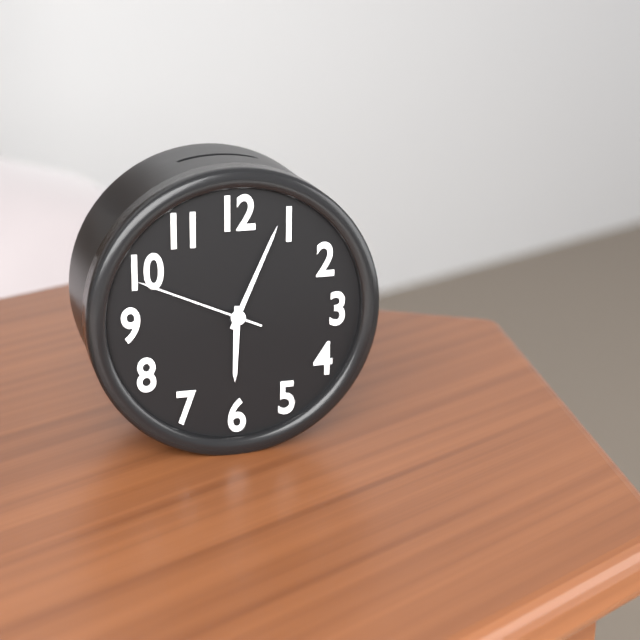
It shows 6h04m49s
